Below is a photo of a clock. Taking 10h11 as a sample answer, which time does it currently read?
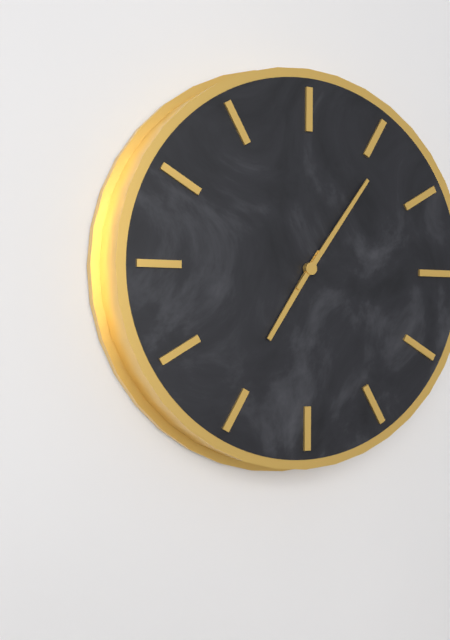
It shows 7h06
